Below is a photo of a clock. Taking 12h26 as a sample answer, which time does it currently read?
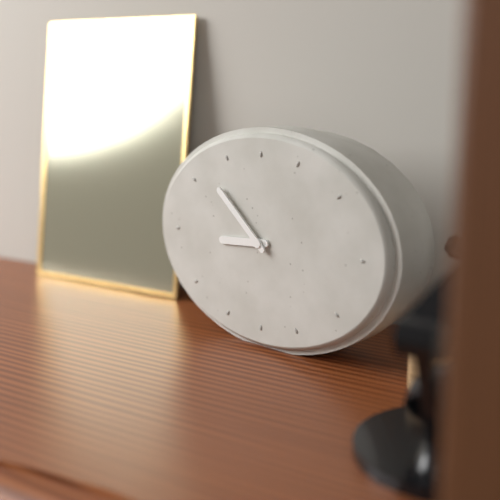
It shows 8h52
